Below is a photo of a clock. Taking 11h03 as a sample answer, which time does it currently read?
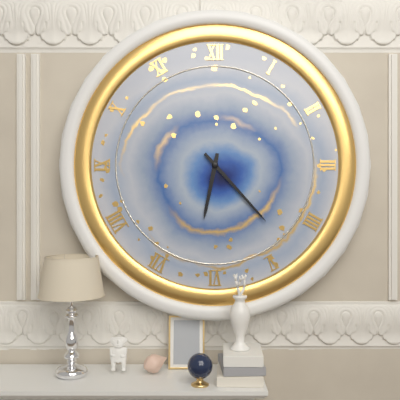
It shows 6h23
